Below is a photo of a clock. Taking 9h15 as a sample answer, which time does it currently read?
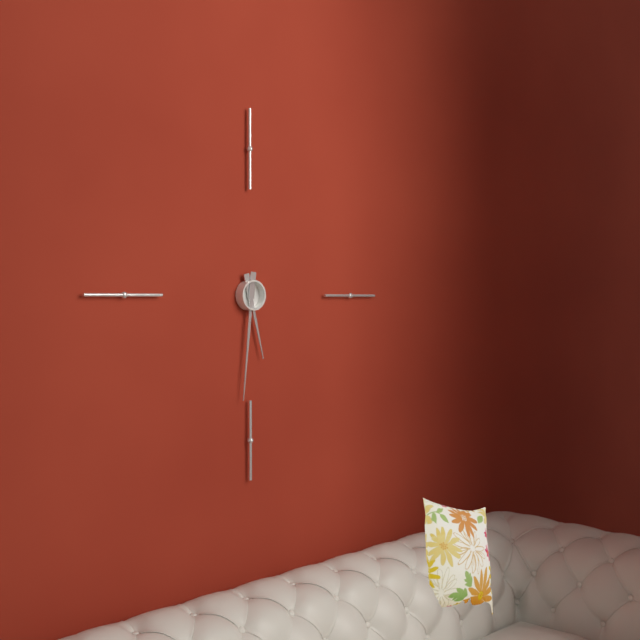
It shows 5h31
